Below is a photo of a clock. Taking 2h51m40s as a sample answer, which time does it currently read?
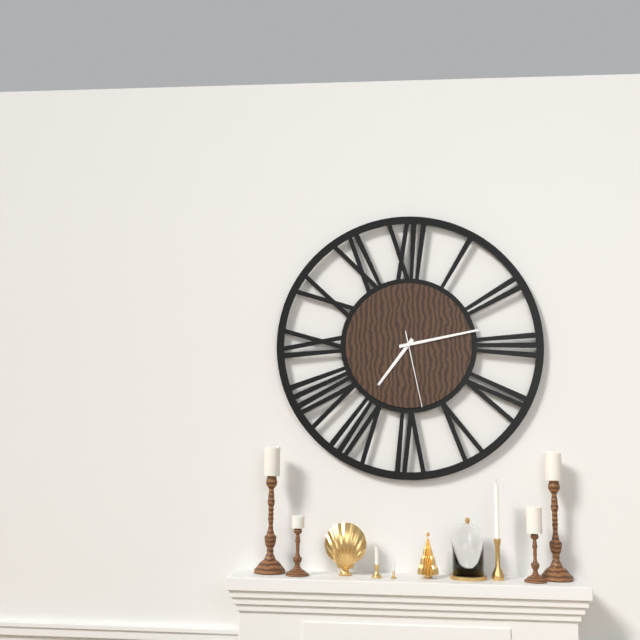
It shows 7h13m28s
